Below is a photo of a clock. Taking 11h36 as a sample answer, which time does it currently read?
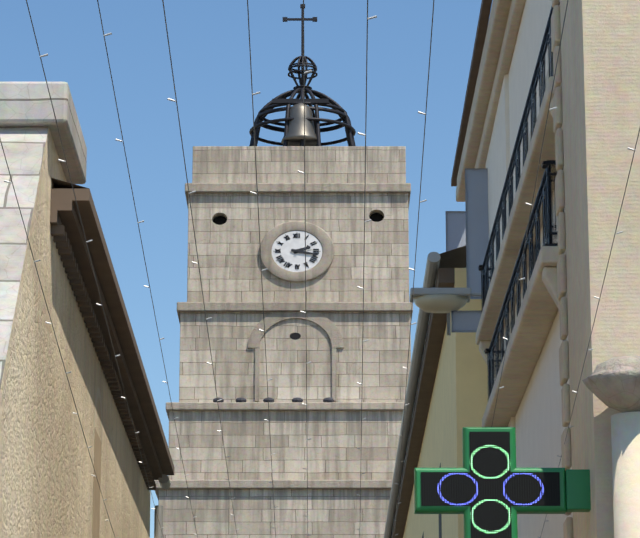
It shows 2h17
